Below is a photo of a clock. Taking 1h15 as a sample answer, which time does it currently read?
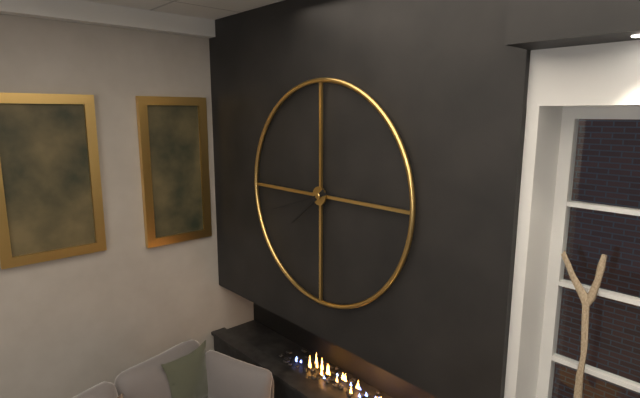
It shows 7h42
